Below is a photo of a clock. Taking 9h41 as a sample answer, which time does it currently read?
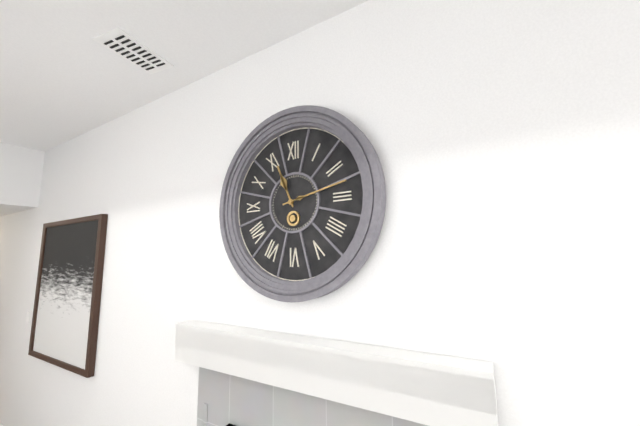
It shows 11h13
